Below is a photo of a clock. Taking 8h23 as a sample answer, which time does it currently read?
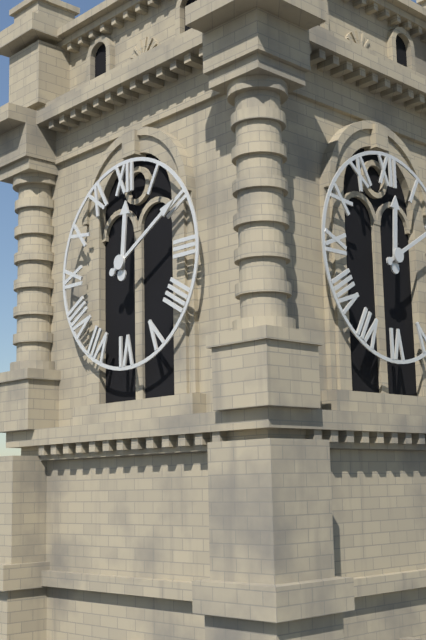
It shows 12h10
